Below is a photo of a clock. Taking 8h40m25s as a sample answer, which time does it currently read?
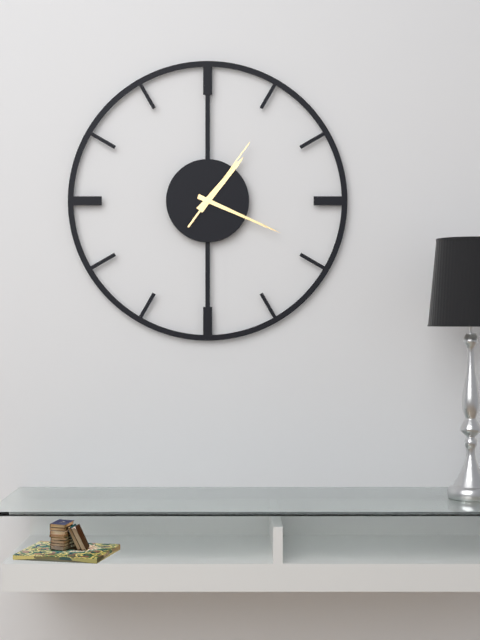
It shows 1h19m06s
